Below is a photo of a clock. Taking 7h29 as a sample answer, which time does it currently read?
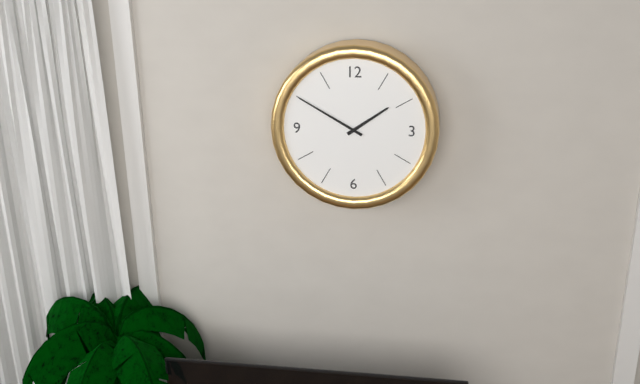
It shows 1h50
